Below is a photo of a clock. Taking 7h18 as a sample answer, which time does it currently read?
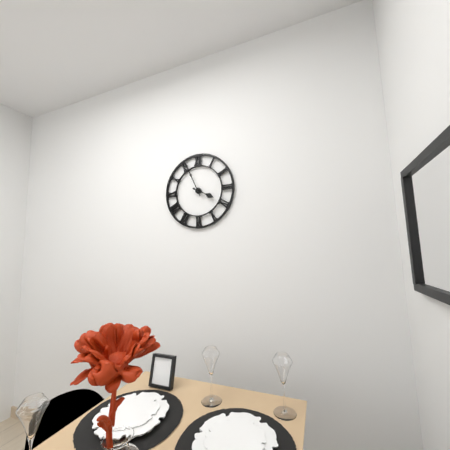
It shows 3h56
